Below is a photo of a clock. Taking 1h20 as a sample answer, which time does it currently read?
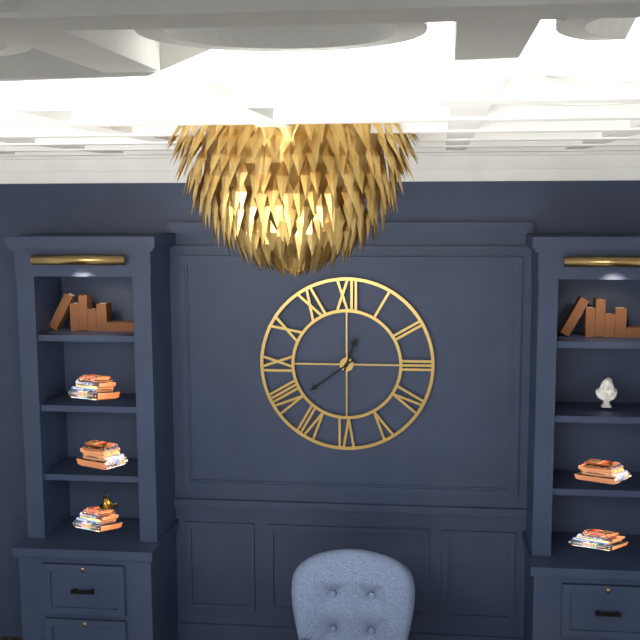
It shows 12h39
